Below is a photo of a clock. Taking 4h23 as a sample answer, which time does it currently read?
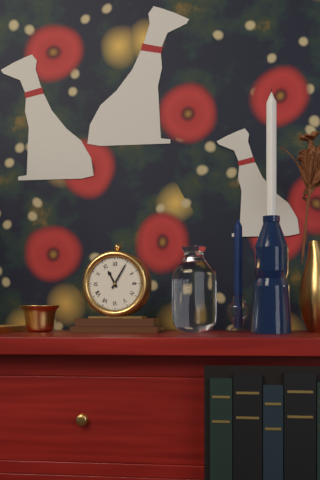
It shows 11h05
